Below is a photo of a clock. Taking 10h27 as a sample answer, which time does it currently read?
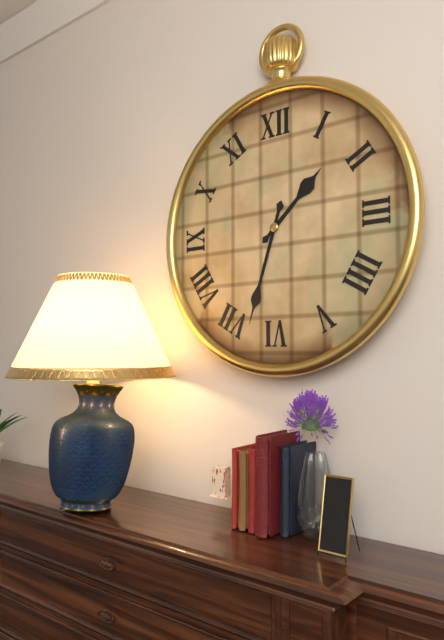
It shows 1h33
